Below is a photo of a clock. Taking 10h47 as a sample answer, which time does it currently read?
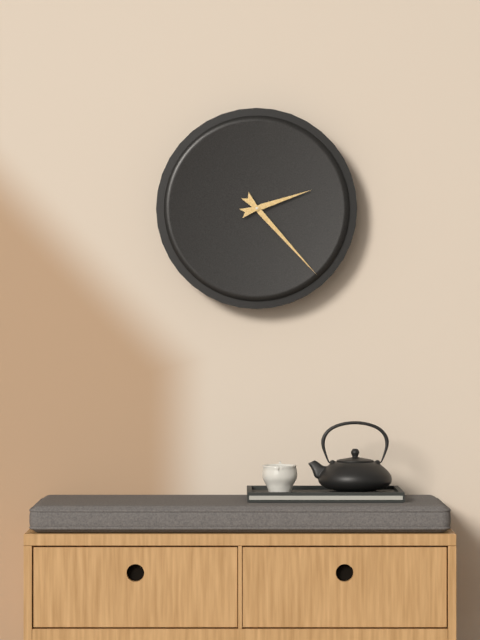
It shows 2h23
